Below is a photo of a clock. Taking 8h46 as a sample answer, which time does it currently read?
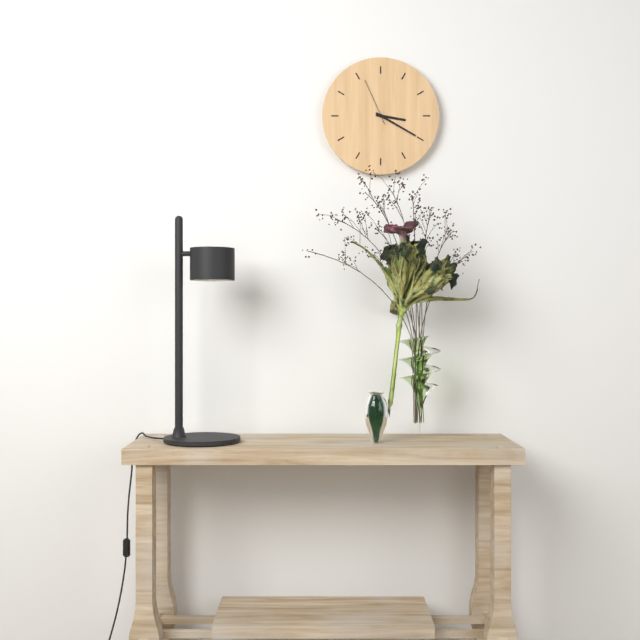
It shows 3h20
